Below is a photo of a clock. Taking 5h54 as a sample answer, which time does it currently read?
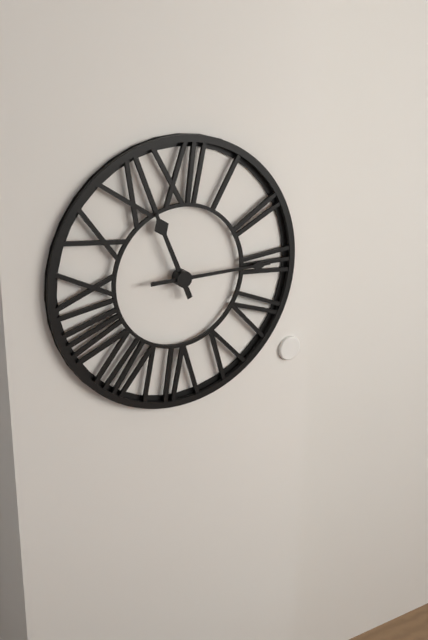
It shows 11h15
